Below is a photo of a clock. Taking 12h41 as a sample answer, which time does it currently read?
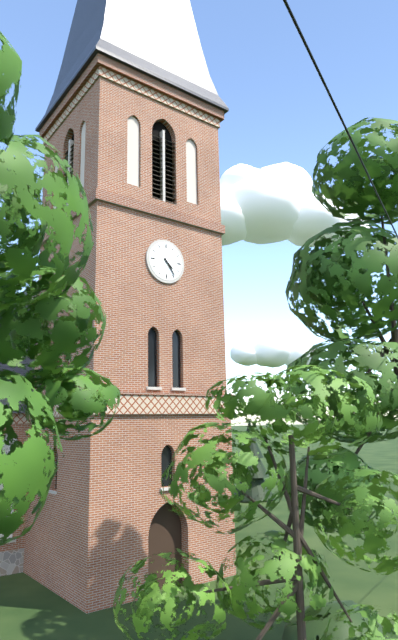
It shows 4h24
